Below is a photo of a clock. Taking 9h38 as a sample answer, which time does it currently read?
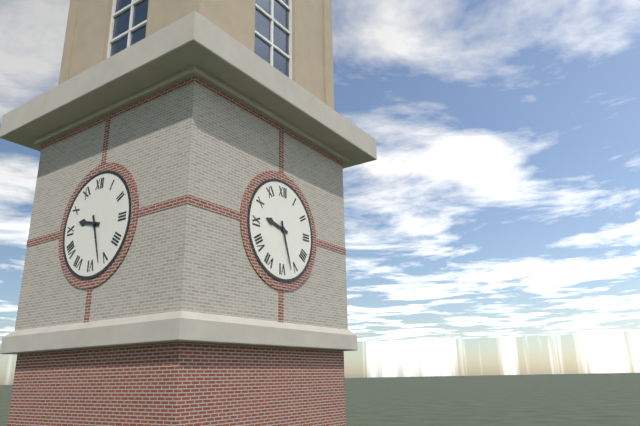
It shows 9h27
